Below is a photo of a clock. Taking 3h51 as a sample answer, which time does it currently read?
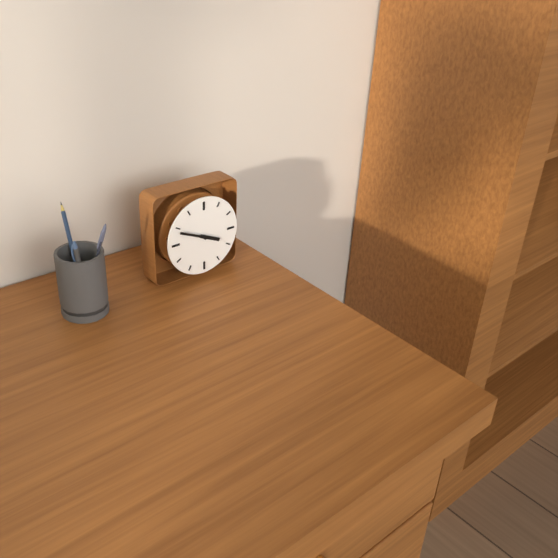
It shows 3h49
